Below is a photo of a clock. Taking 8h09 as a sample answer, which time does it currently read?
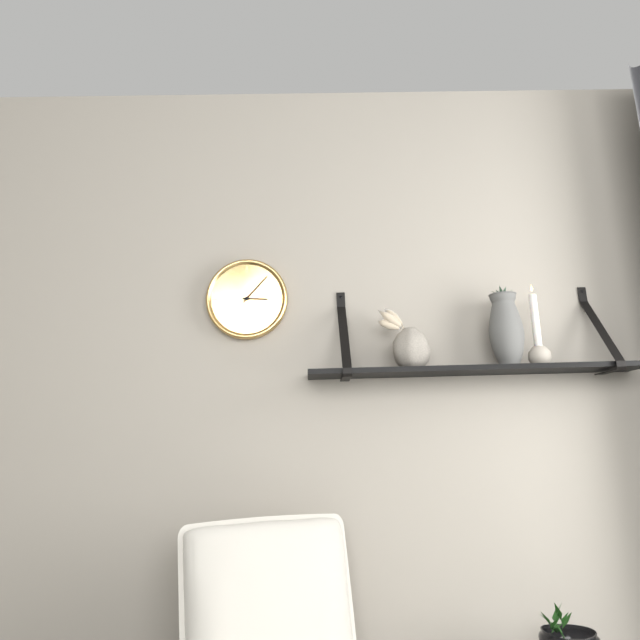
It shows 3h07
